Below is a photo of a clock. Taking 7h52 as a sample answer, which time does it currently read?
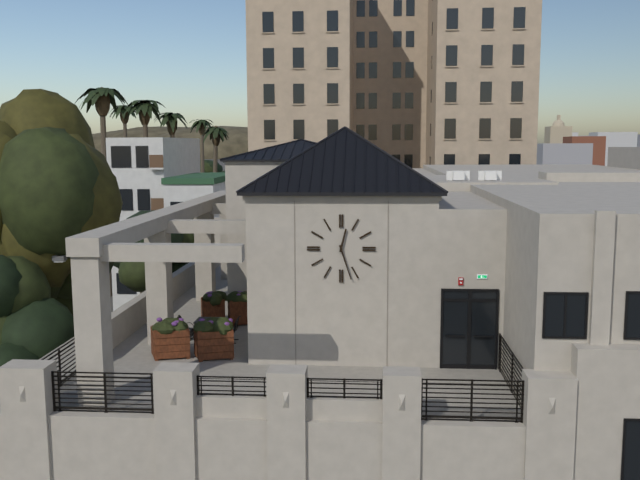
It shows 12h27
